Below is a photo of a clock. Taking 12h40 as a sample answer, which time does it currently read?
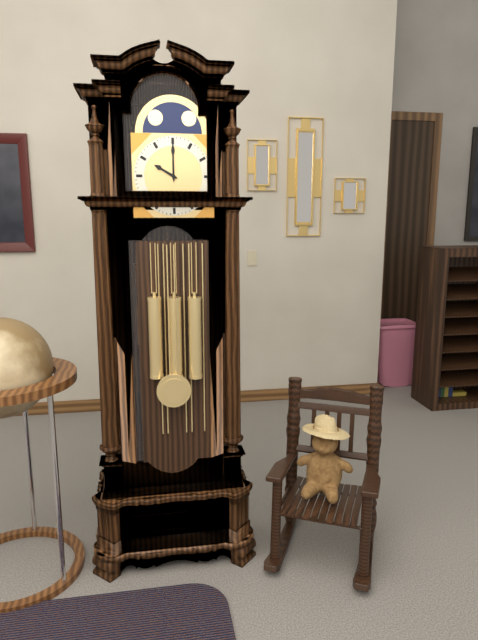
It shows 10h00
